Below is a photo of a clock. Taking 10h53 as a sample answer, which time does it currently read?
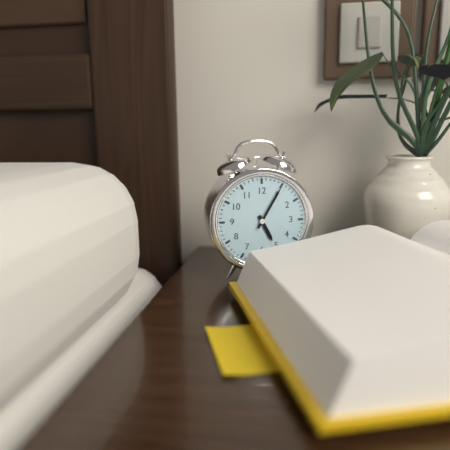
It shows 5h05
